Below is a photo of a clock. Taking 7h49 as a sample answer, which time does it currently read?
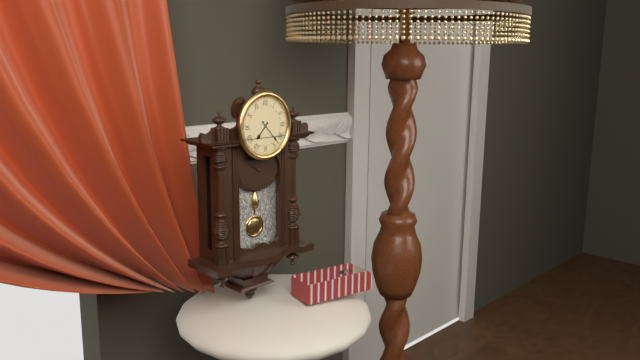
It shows 7h23
